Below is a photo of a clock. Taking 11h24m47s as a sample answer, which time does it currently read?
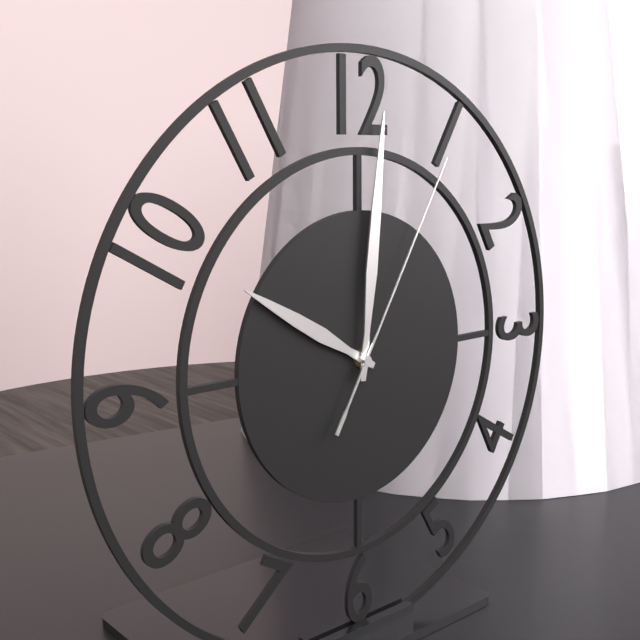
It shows 10h01m05s
